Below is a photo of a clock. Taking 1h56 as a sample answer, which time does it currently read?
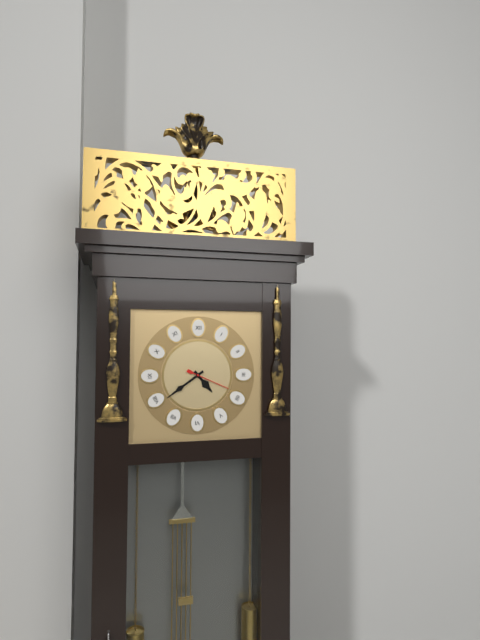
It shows 4h39
